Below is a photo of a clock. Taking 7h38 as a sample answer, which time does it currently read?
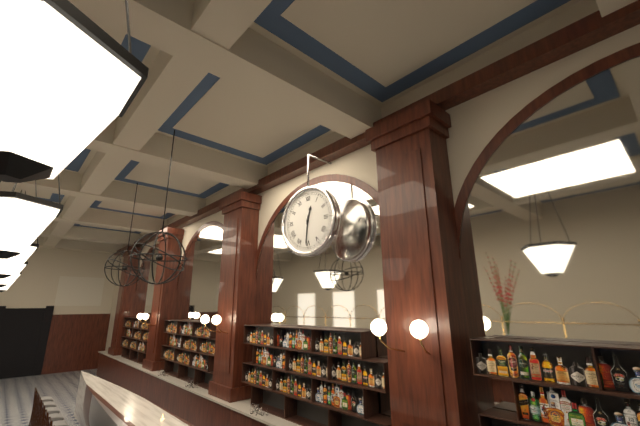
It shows 12h31
